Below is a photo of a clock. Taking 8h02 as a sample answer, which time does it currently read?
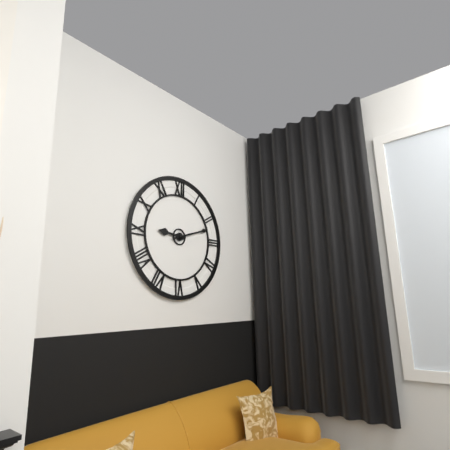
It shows 9h12
